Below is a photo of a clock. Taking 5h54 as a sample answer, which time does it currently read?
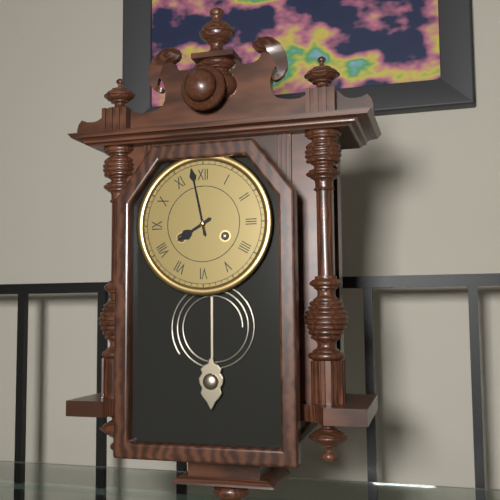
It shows 7h58
